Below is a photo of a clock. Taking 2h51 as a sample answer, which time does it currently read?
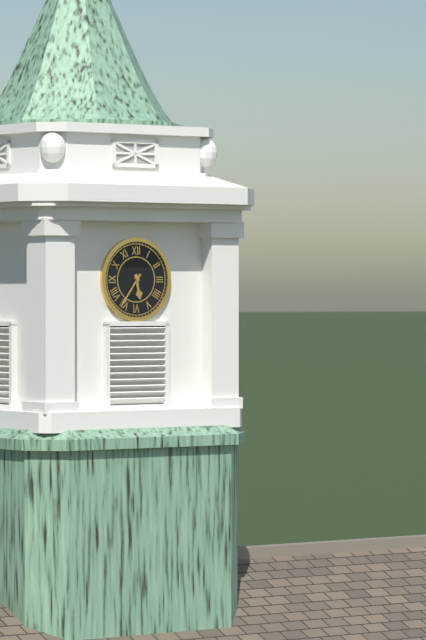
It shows 5h36
